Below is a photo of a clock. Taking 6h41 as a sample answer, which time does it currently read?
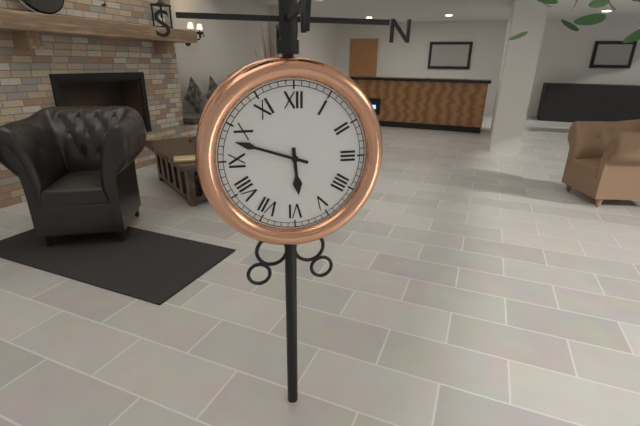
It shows 5h48
